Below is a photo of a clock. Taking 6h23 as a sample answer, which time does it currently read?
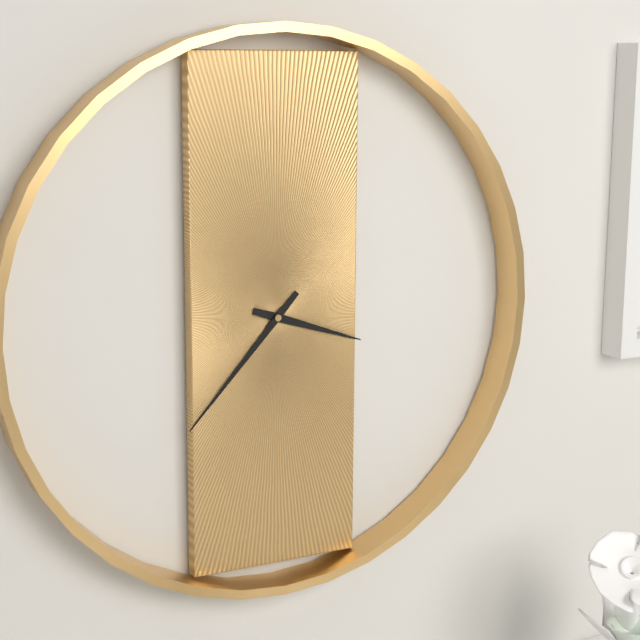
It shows 3h37
